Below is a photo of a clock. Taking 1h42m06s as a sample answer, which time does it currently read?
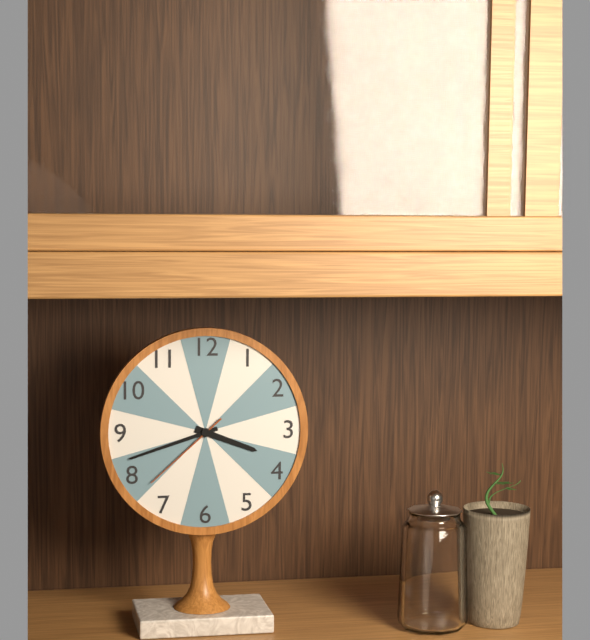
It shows 3h42m38s
